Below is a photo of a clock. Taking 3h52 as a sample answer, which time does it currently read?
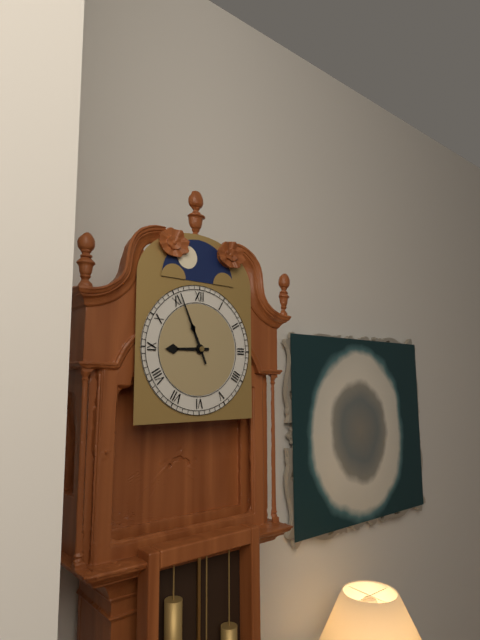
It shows 8h56
